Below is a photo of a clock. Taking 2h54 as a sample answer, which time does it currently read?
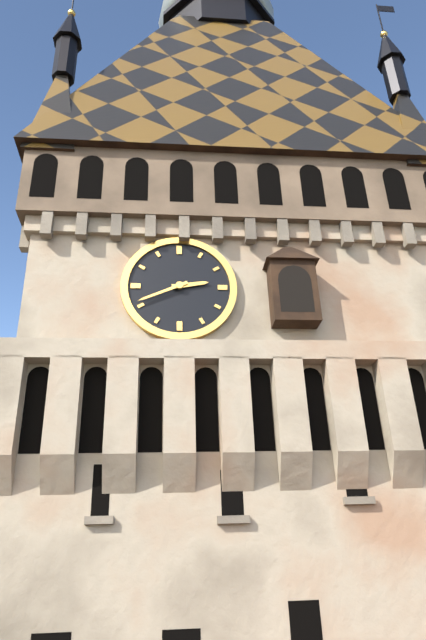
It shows 2h41
